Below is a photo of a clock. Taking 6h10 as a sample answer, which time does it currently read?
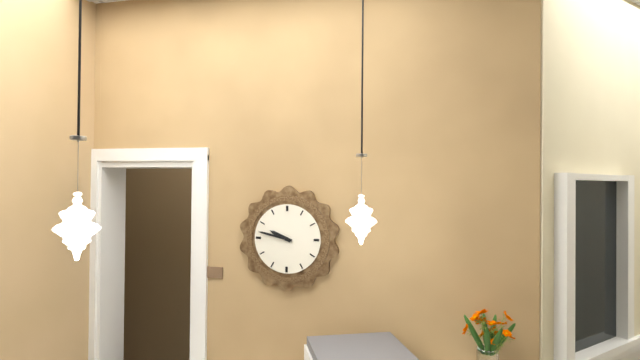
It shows 9h47
